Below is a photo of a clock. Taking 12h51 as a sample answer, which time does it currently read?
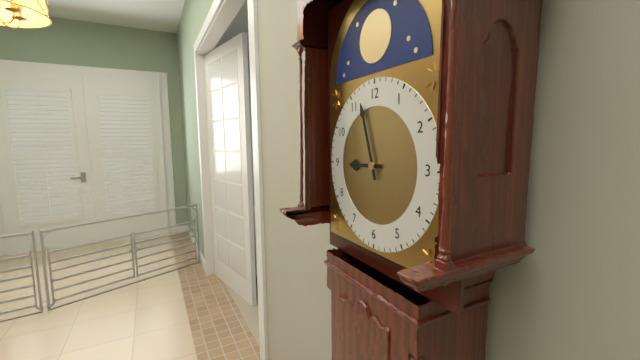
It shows 8h57
